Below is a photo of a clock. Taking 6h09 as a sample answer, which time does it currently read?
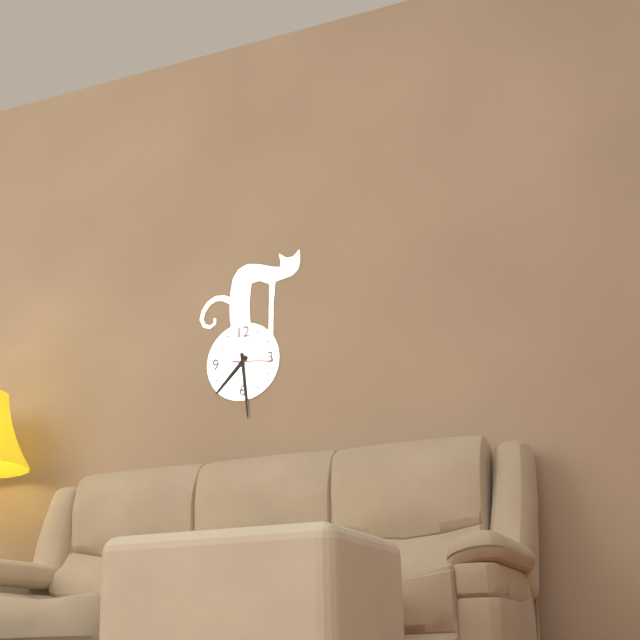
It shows 7h29
